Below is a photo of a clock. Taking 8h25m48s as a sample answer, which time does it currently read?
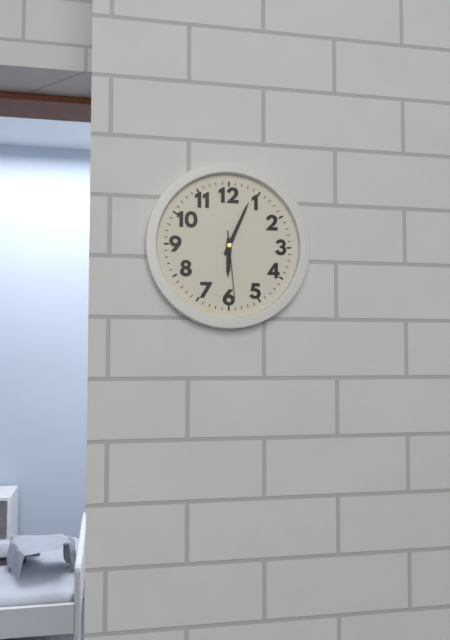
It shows 6h04m29s
